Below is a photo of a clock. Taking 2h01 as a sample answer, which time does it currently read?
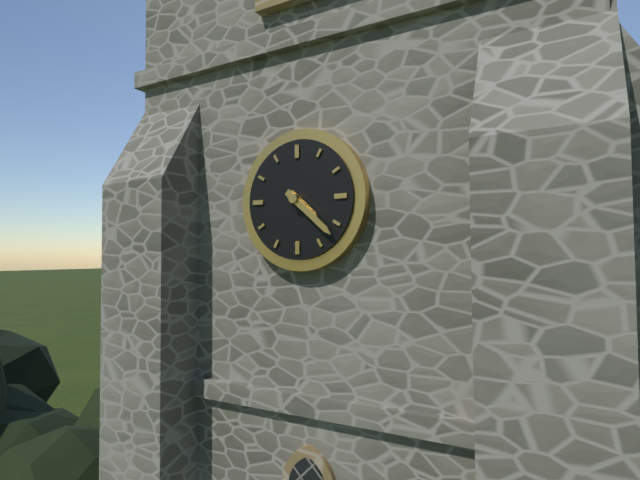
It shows 4h22
